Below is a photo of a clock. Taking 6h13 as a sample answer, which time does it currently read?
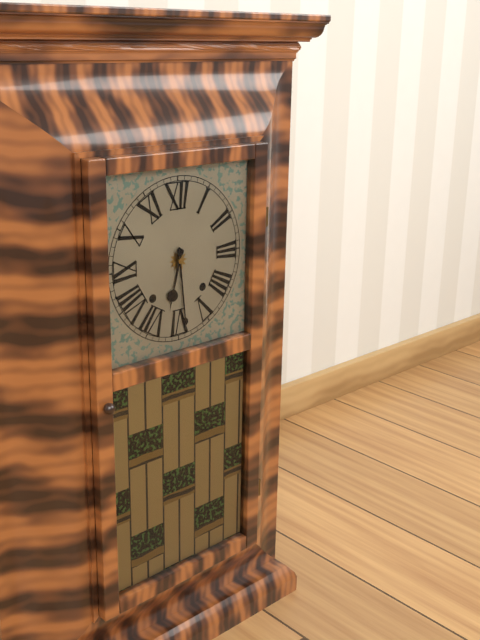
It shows 6h29
